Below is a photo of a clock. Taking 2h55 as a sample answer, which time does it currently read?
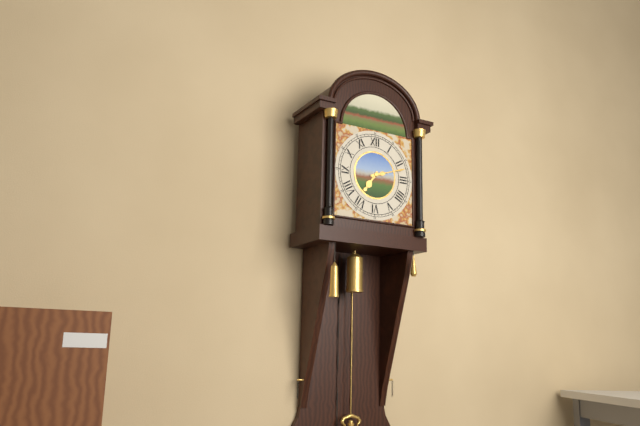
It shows 7h12
